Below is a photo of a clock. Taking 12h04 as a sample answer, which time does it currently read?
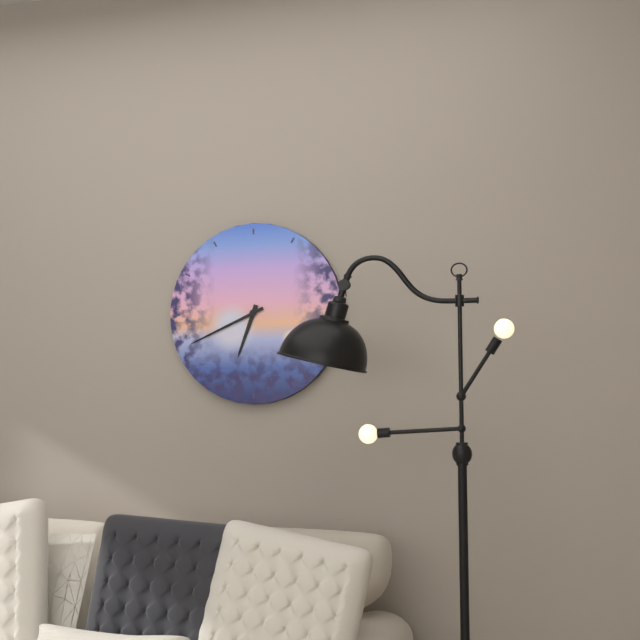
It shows 6h41
